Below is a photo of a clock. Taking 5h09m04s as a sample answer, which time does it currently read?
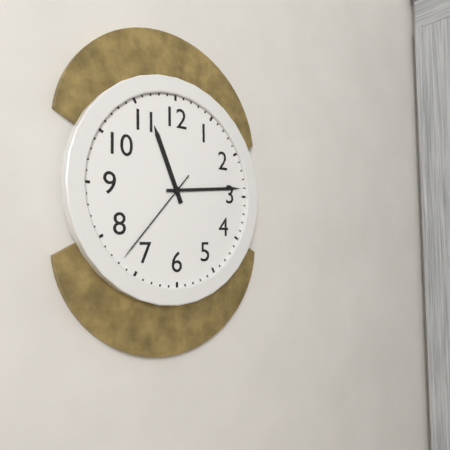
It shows 11h14m37s
